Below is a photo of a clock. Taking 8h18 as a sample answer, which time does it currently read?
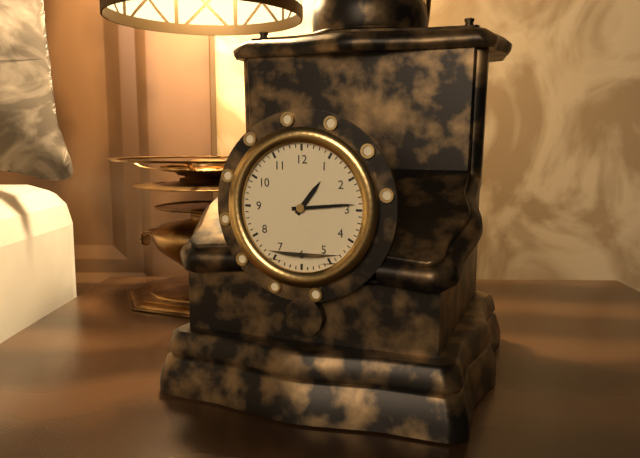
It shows 1h14
